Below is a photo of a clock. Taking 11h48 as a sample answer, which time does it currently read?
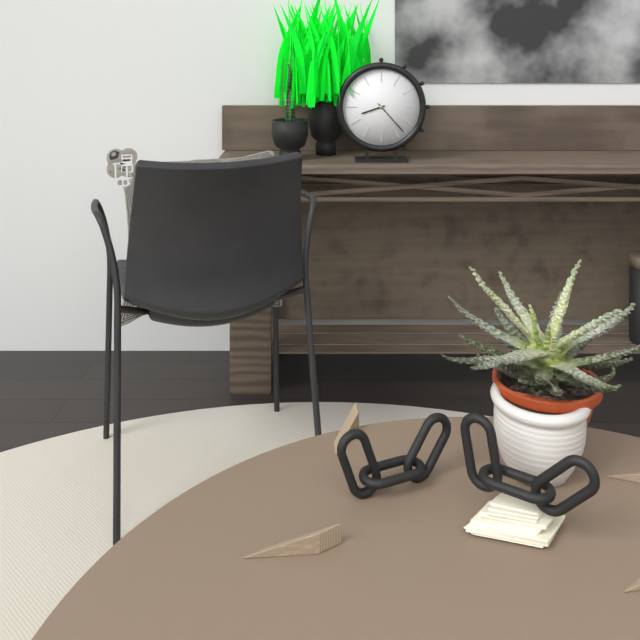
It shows 8h23
